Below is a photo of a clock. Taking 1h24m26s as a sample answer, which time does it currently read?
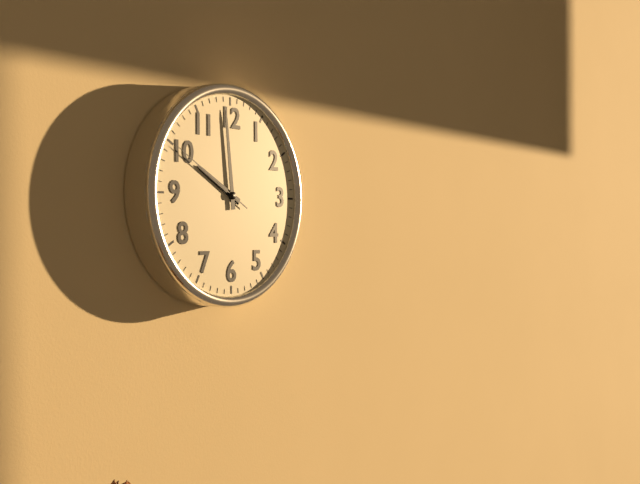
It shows 9h59m50s
